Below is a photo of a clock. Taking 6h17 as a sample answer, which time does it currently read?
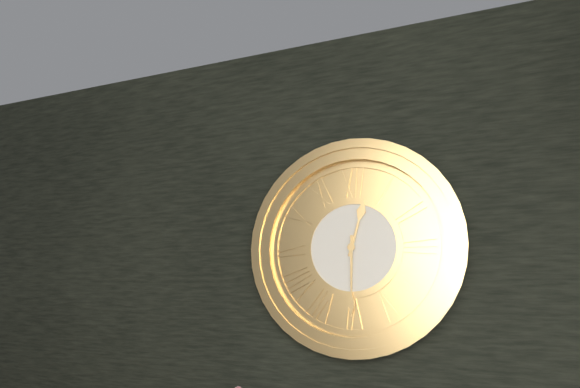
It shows 12h30
